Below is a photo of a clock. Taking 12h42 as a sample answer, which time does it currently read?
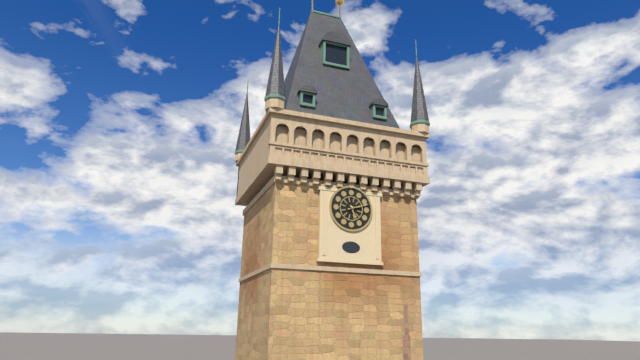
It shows 5h12
